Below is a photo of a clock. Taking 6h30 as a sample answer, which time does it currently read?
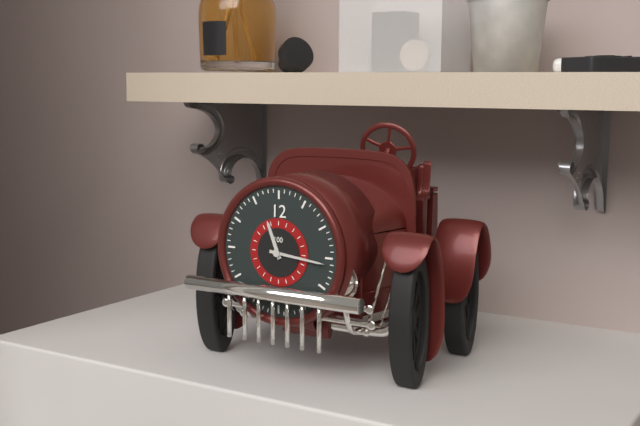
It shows 11h16
